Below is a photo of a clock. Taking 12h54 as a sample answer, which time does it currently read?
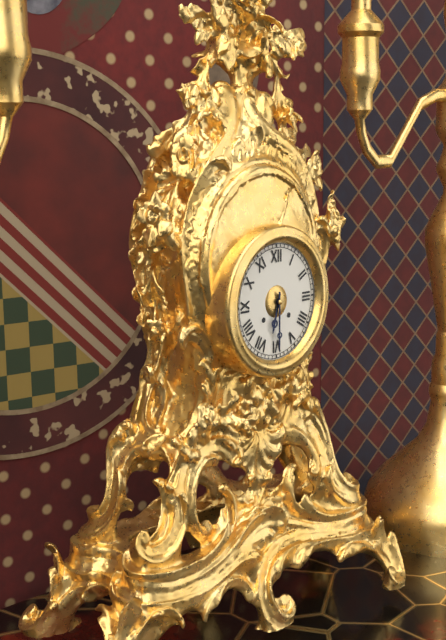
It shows 6h30
